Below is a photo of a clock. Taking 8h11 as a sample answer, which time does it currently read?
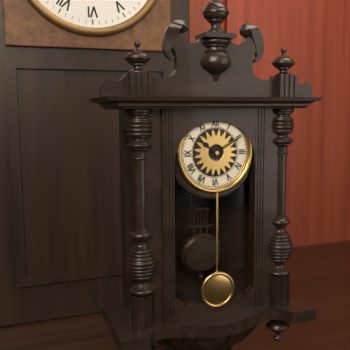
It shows 10h10
